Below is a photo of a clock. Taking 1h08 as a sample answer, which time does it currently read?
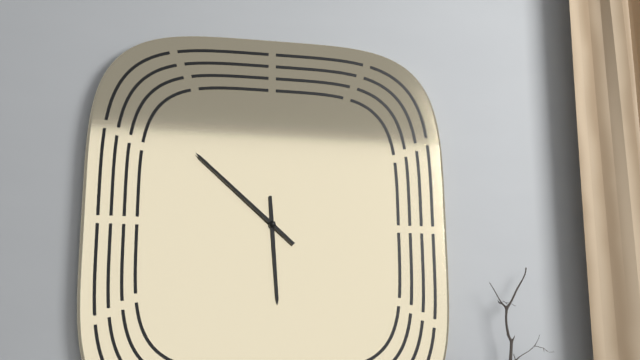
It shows 5h52
